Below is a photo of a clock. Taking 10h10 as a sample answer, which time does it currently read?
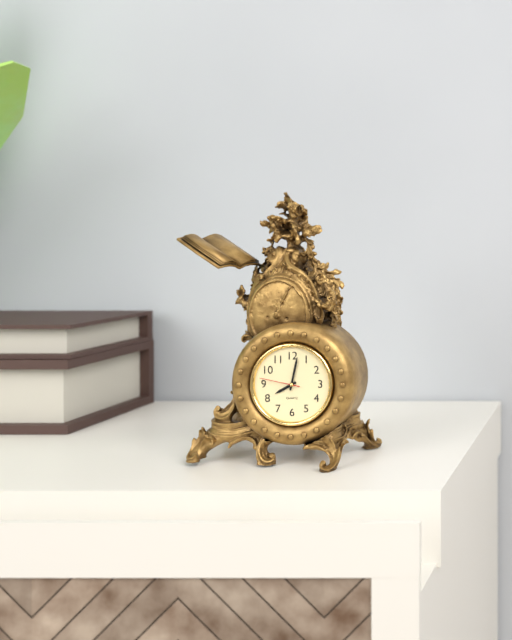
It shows 8h02
